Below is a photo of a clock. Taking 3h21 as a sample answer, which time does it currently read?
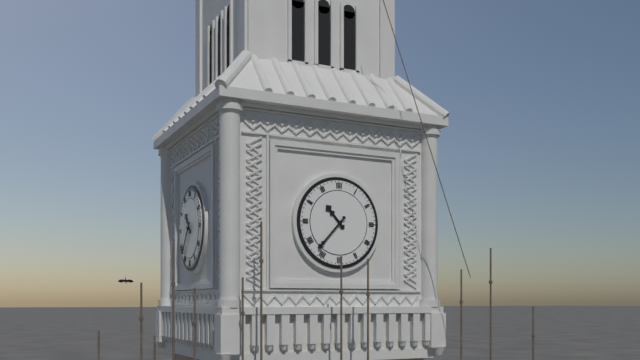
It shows 10h37
